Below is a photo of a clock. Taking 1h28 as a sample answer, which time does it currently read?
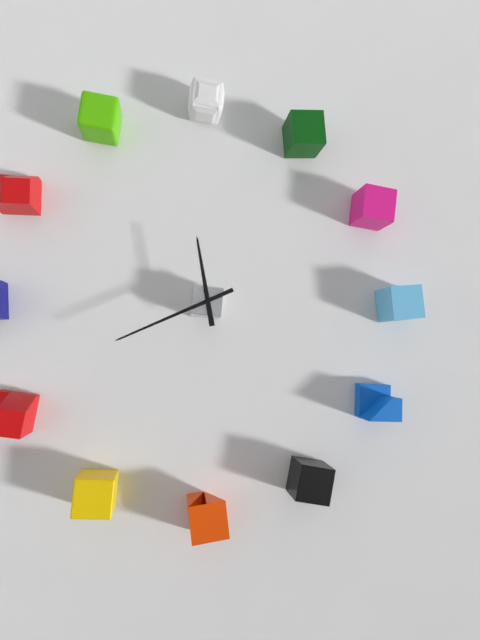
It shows 11h41
